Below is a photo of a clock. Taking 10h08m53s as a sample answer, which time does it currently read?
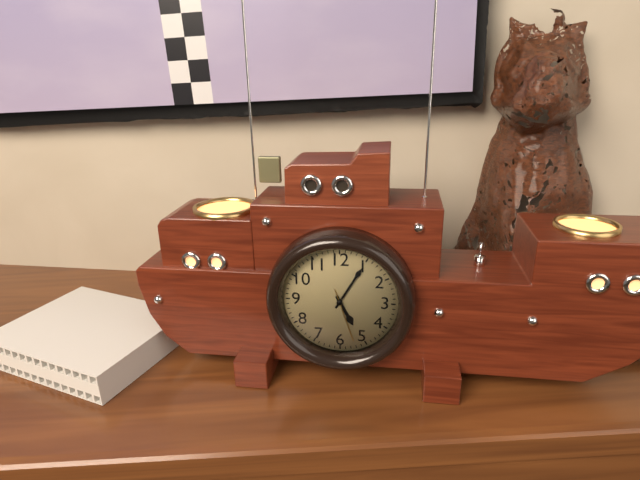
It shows 5h05m27s
